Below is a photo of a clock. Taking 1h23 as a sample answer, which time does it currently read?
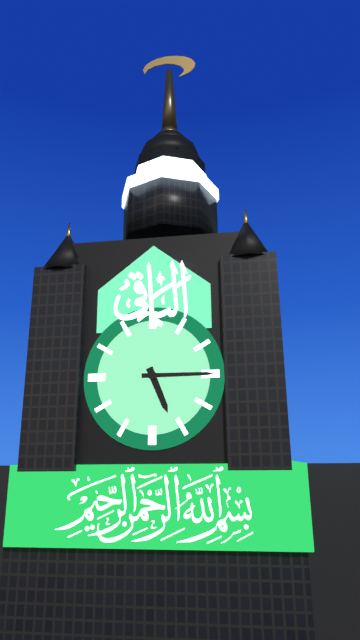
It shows 5h15
